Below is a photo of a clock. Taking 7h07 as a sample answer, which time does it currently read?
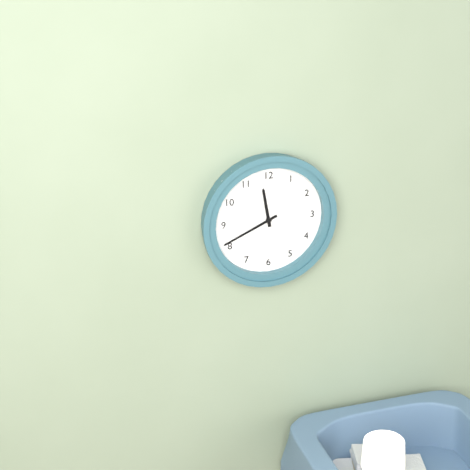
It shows 11h41
